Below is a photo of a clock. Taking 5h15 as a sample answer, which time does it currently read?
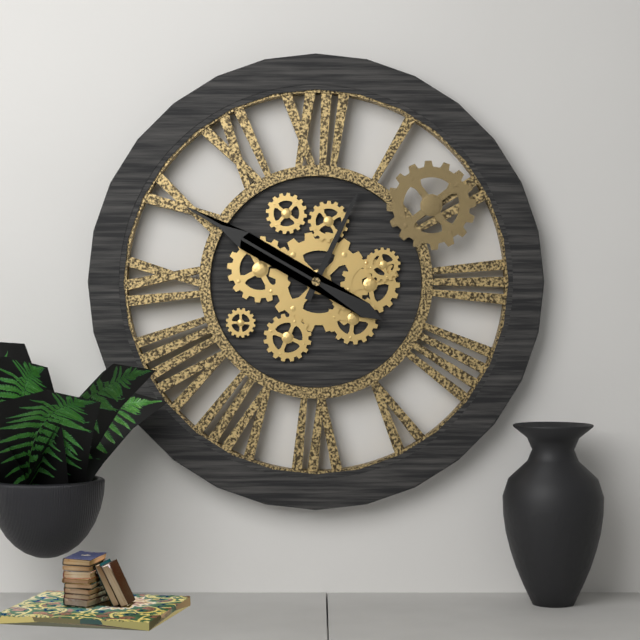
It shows 12h50
